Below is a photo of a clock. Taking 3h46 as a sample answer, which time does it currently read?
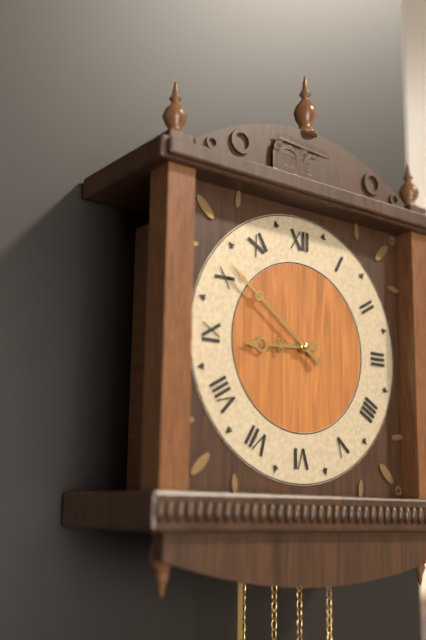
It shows 8h51
